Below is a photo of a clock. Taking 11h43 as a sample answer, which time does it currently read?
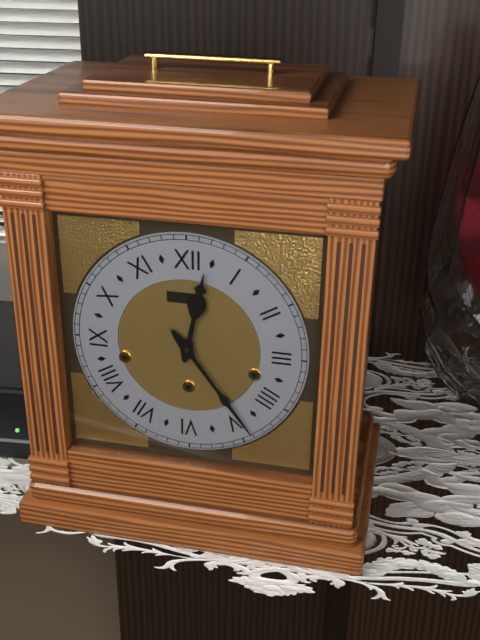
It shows 12h24
